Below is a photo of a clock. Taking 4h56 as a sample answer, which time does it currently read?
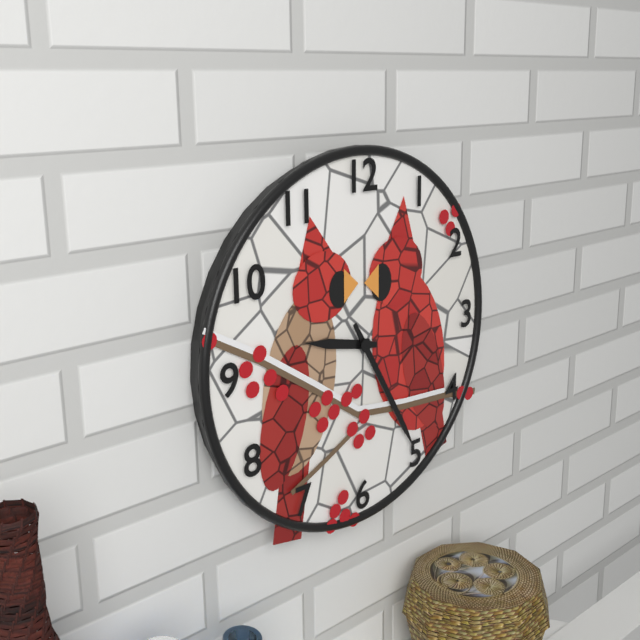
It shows 9h25
